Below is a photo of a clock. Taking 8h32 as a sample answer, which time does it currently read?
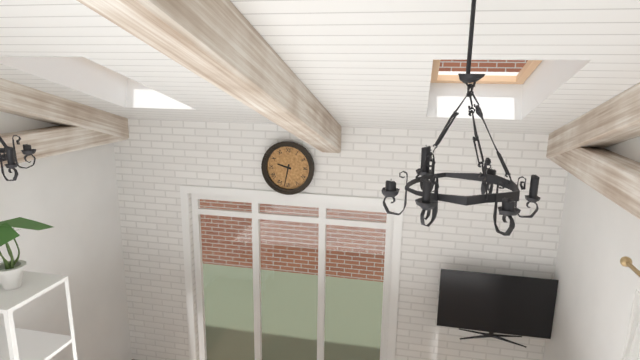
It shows 9h32
